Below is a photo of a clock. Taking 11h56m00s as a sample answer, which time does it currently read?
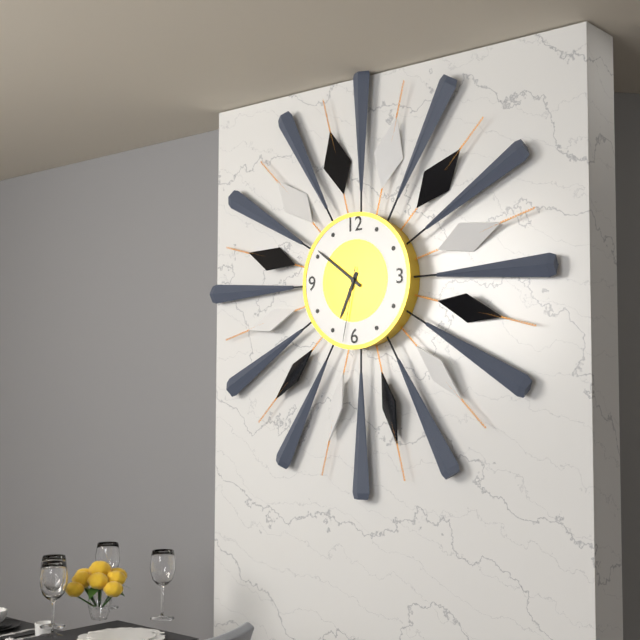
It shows 6h51m32s
